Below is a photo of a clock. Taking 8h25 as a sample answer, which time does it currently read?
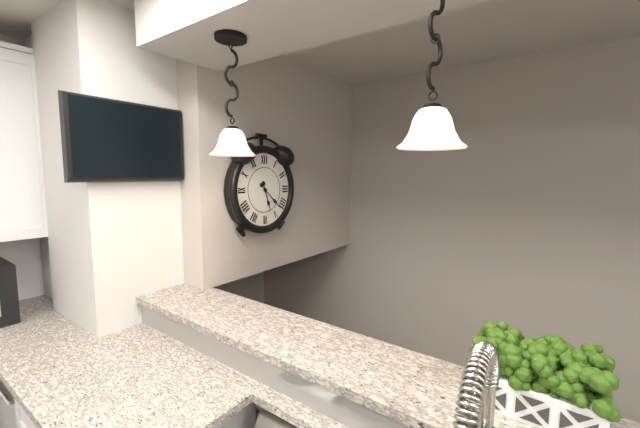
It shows 5h22
